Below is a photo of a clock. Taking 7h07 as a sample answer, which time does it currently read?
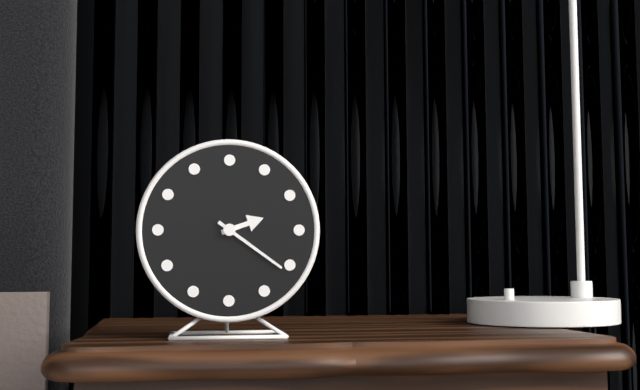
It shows 2h21
